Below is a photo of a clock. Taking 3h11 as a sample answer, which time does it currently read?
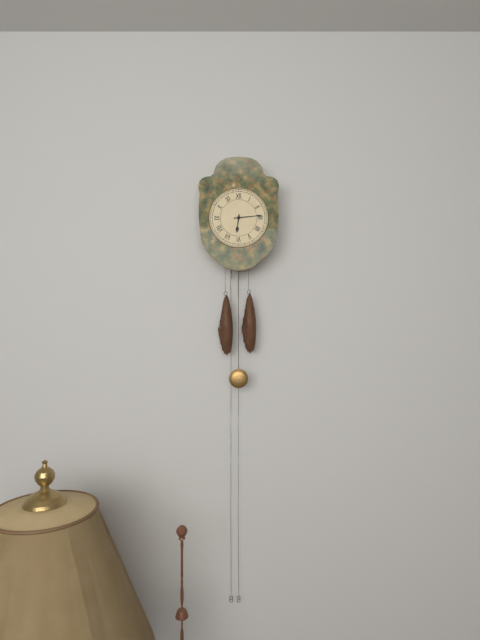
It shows 6h14
